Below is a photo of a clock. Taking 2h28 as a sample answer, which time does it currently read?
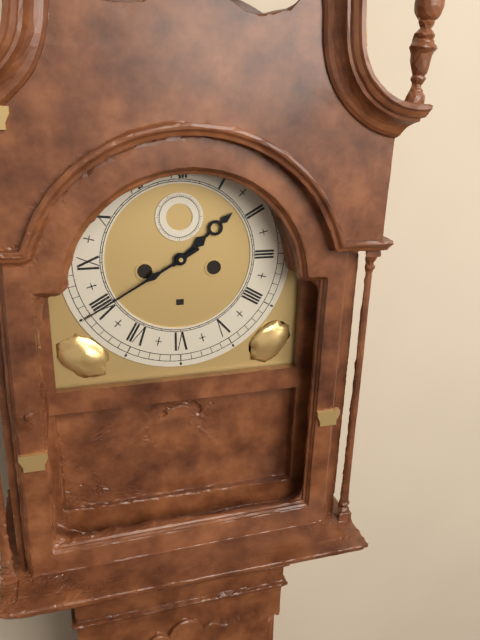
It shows 1h40
